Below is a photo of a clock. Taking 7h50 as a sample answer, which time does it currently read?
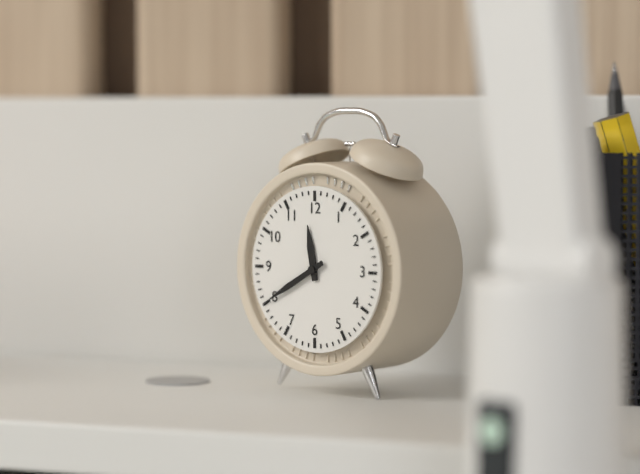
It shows 11h40
